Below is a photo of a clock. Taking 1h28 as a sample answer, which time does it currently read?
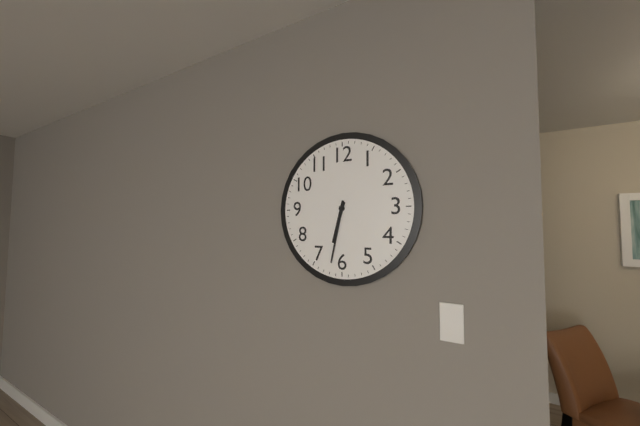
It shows 6h32
